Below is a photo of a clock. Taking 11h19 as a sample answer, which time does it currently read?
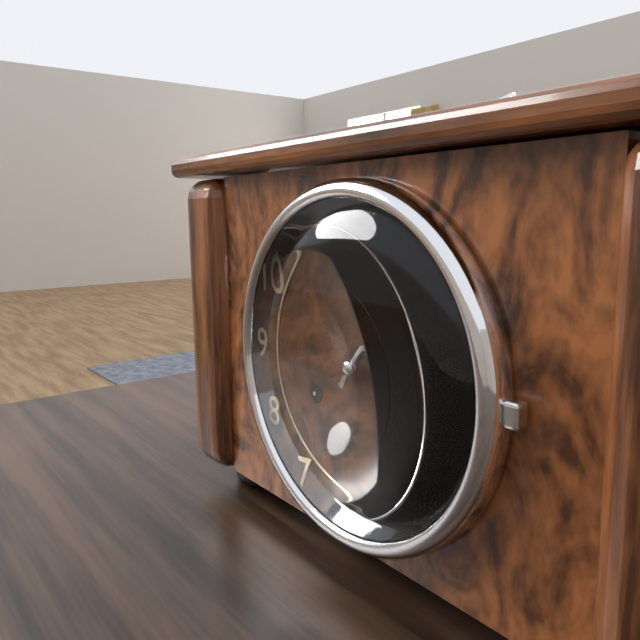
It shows 1h05
